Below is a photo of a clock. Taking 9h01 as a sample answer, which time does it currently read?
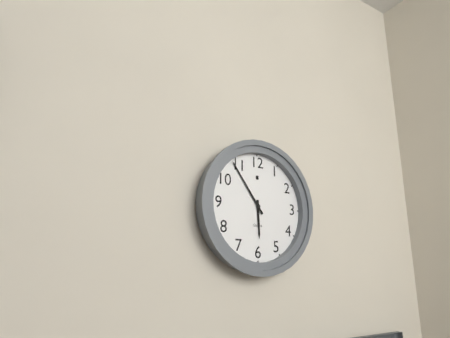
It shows 5h54
